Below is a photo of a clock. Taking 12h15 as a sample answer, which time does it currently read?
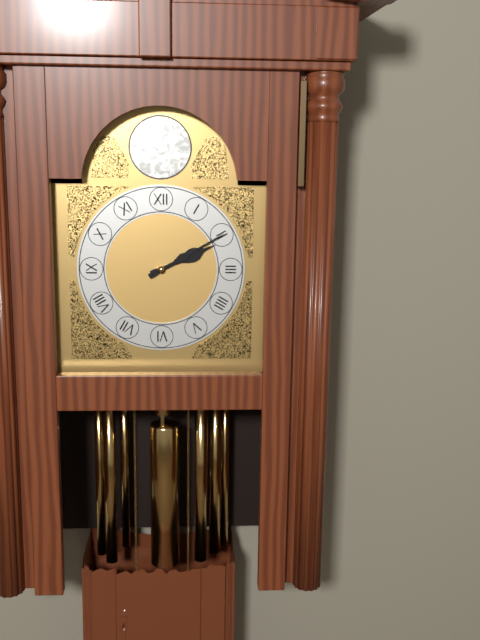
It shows 2h10
